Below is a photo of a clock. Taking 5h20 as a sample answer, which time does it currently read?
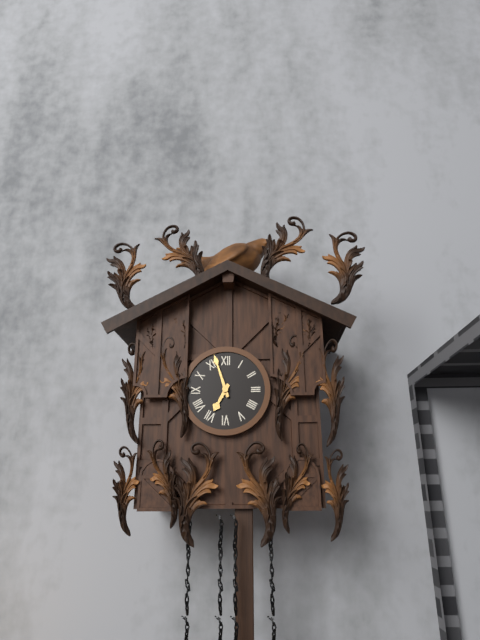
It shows 6h57
